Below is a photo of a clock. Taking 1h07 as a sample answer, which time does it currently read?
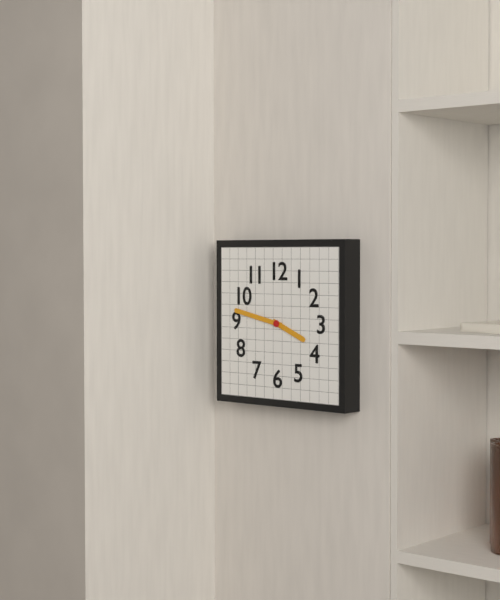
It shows 3h47
